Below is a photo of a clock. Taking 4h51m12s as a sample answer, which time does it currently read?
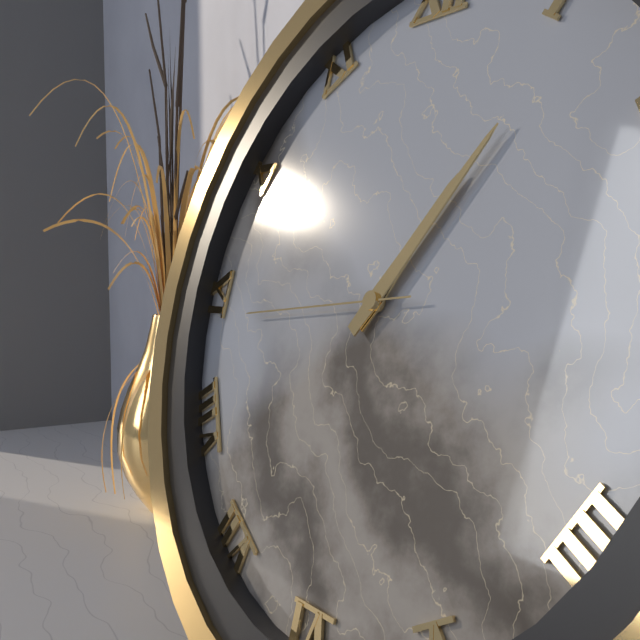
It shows 1h06m44s
